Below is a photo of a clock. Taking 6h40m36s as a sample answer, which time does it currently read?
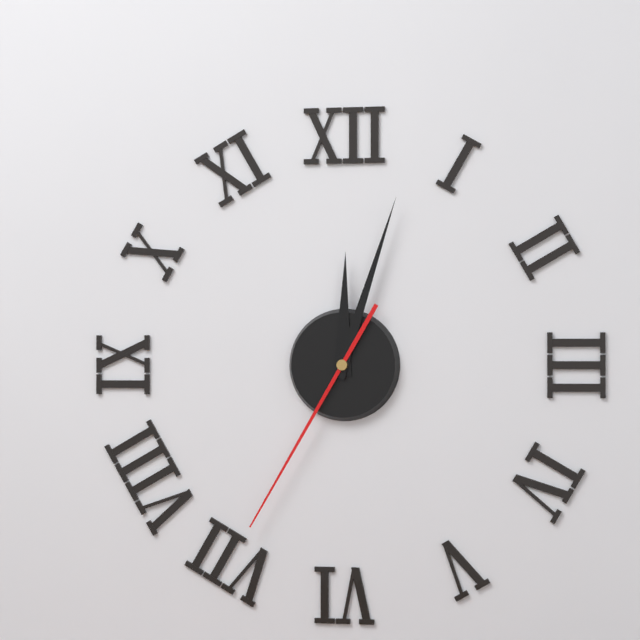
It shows 12h03m35s
